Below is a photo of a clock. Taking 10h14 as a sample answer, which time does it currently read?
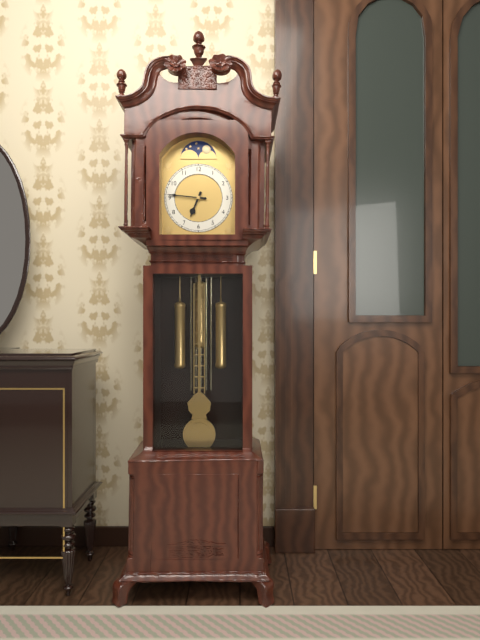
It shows 6h46
